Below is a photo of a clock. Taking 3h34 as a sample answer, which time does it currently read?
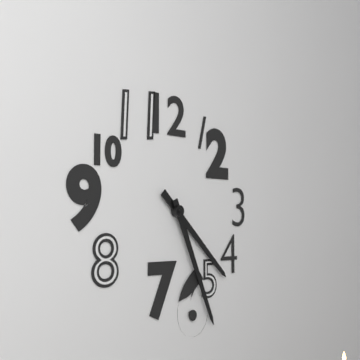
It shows 4h26
